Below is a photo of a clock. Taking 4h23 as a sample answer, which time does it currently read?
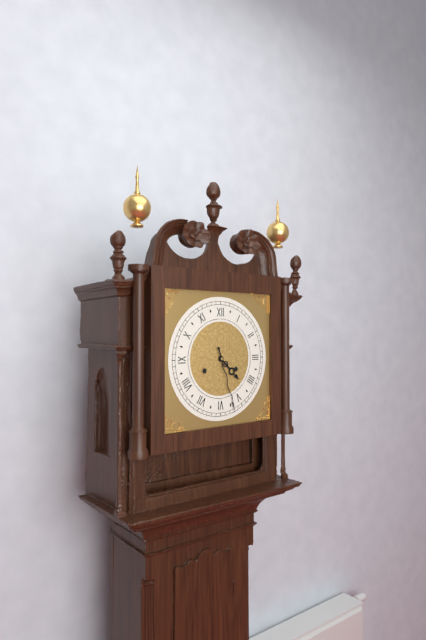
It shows 4h27
